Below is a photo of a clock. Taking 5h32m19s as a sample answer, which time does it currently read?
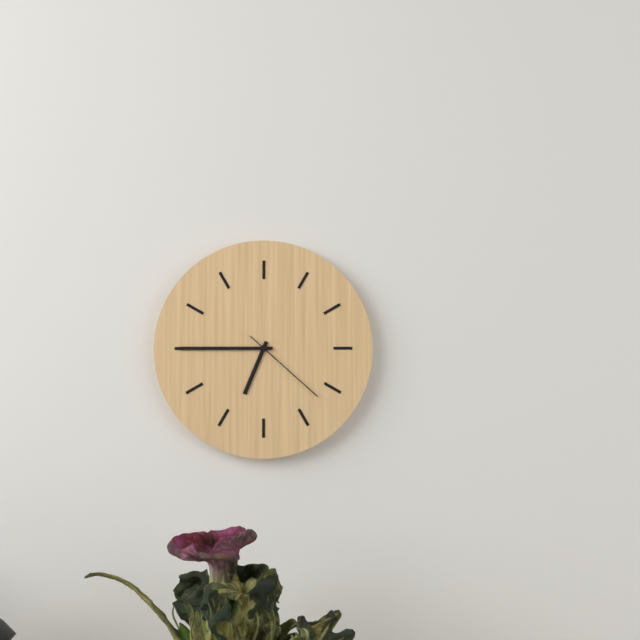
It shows 6h45m22s
